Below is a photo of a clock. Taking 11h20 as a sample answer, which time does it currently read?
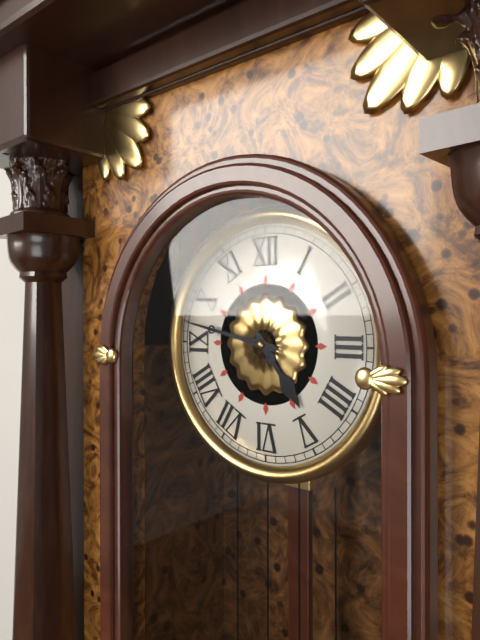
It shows 4h47
